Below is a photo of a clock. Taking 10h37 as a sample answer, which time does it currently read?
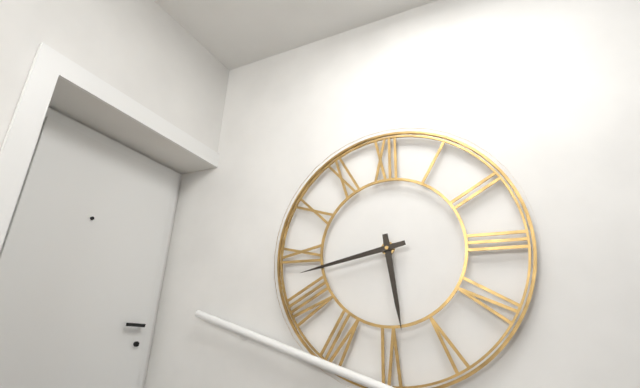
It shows 5h43
